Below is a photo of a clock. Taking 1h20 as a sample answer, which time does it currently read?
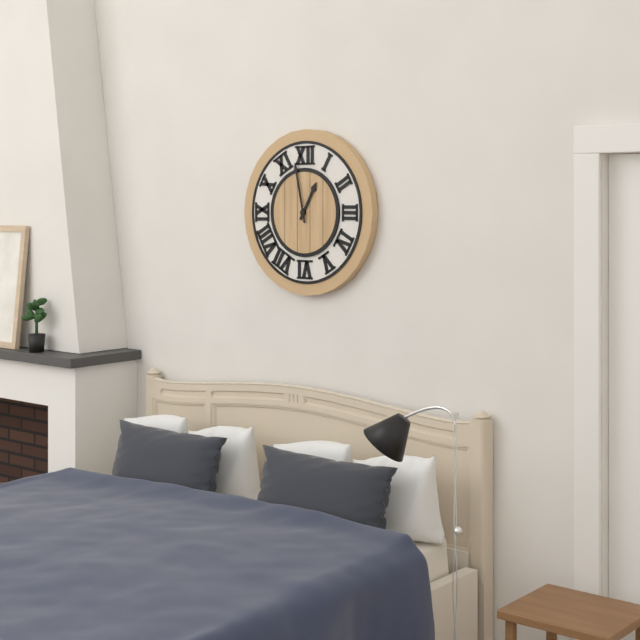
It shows 12h58
